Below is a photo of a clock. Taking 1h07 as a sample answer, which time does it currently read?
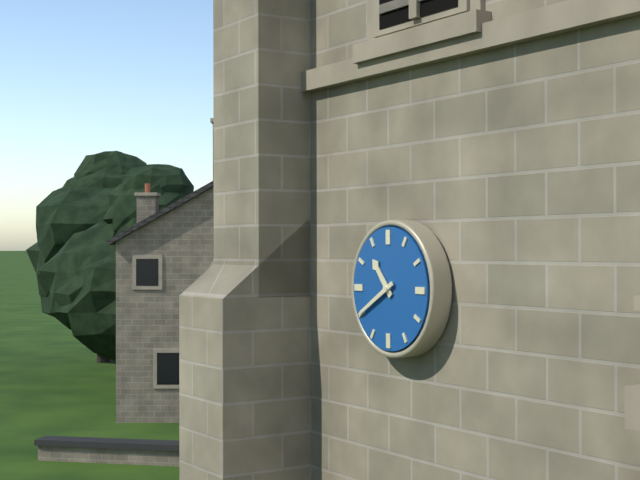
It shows 10h40
